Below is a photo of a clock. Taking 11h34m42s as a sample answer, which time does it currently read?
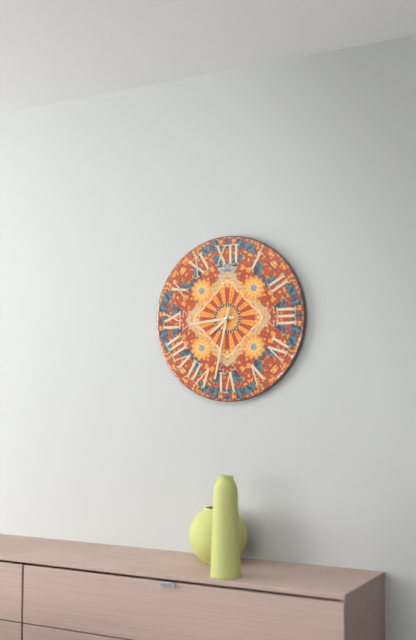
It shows 7h44m32s
